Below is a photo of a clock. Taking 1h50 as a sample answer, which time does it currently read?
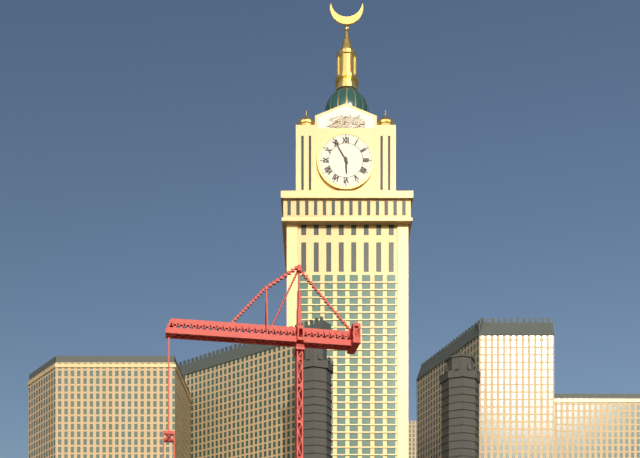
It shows 5h55
